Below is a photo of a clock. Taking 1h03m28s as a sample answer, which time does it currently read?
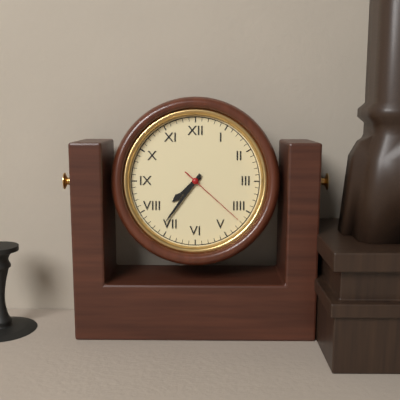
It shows 7h36m22s
